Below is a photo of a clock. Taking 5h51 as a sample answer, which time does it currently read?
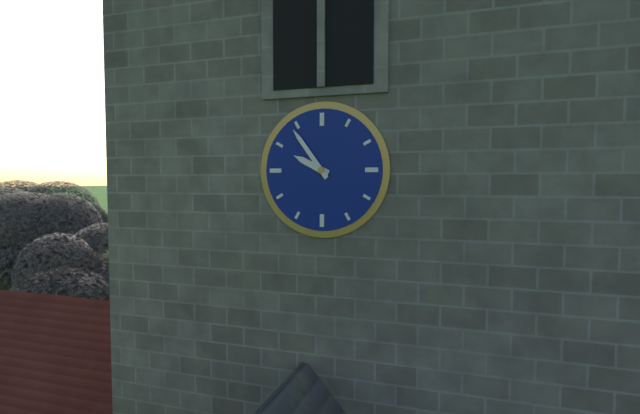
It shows 9h54
